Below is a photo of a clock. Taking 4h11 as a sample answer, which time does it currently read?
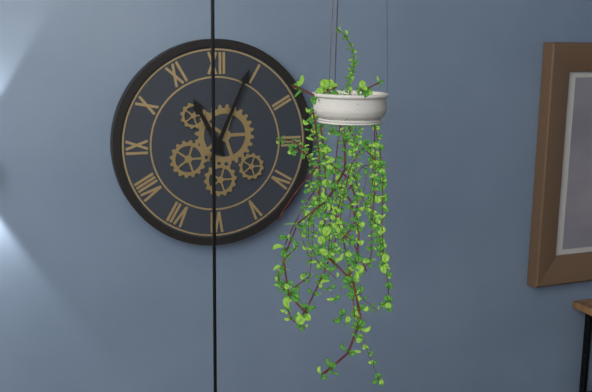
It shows 11h04
